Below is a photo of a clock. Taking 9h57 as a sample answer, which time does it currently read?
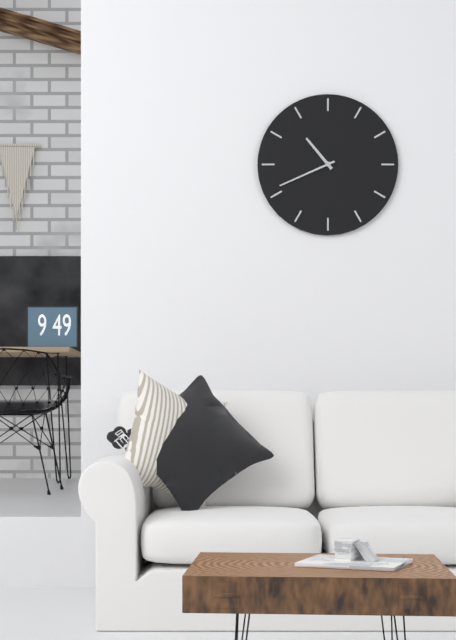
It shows 10h41
